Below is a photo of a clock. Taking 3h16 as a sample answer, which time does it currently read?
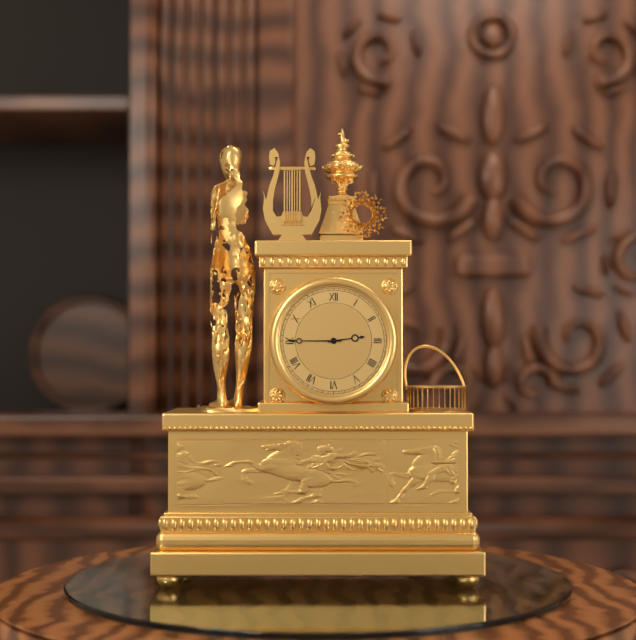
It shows 2h45
